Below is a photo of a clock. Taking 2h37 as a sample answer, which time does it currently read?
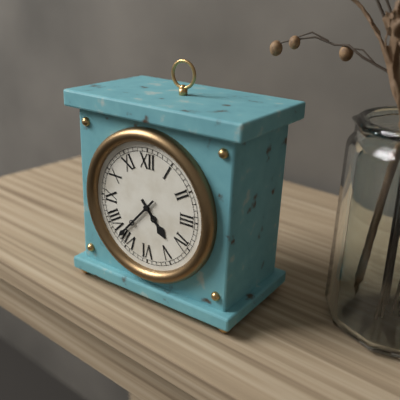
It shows 4h37
